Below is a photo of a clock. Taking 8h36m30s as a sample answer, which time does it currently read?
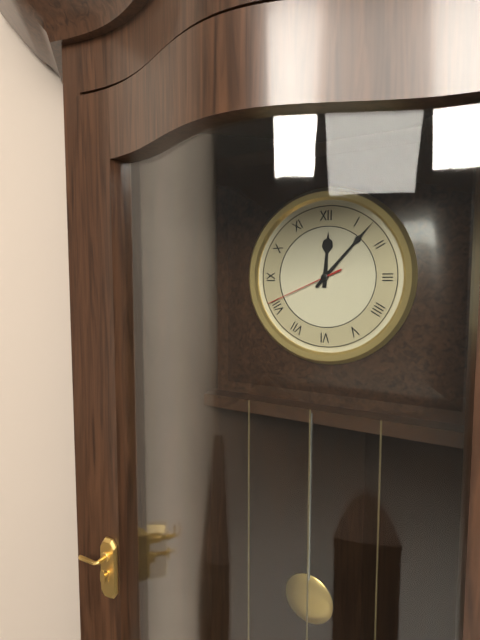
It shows 12h07m41s
